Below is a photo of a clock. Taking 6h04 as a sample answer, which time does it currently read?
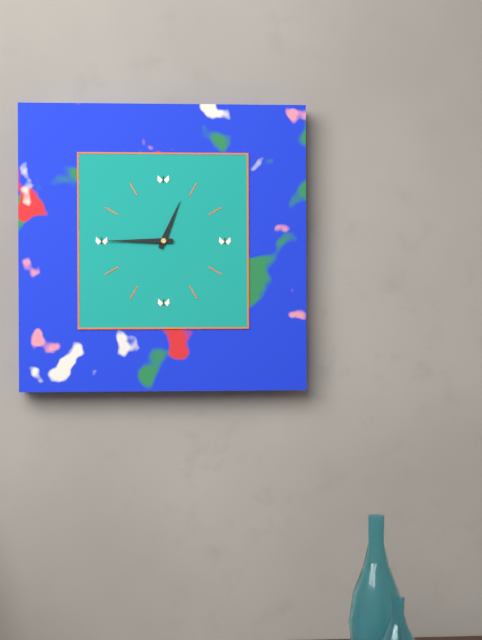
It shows 12h45
